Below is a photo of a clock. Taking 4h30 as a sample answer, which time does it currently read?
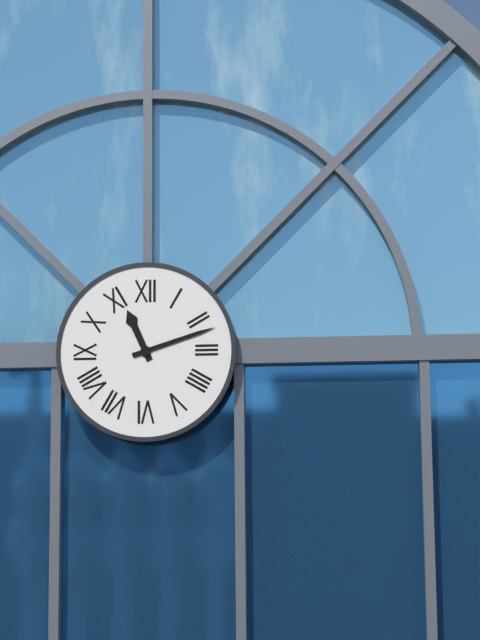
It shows 11h12
